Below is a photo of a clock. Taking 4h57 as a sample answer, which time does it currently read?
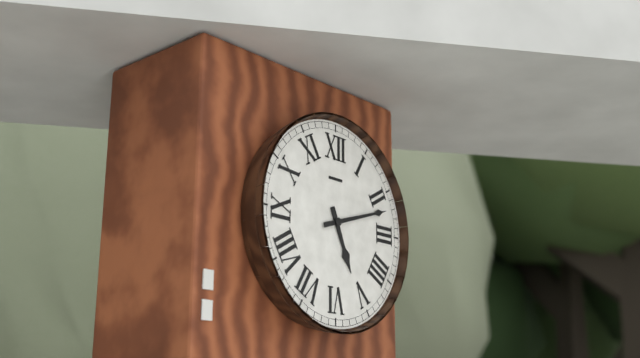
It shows 5h12
